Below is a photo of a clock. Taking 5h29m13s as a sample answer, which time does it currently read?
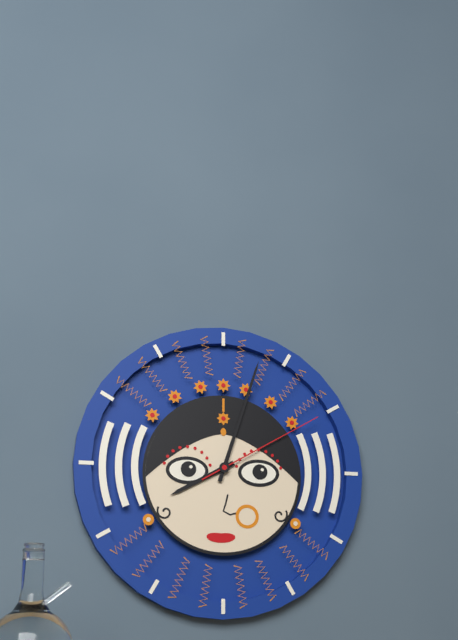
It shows 8h03m10s
